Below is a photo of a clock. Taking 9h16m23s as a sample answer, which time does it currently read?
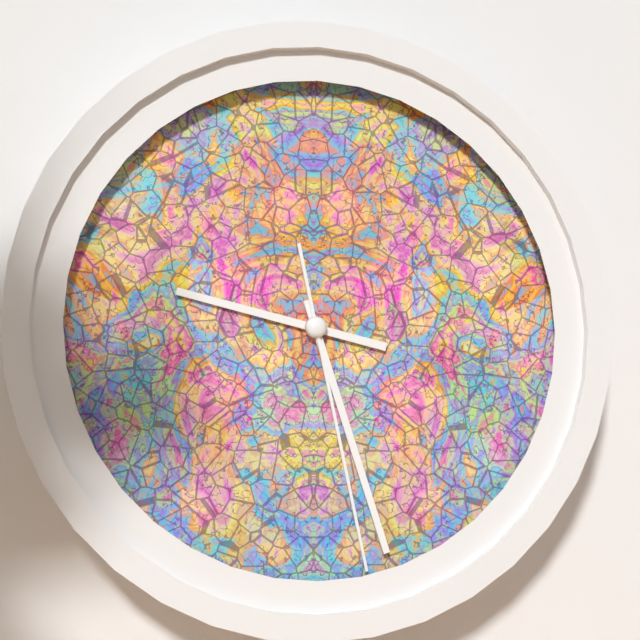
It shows 9h27m28s
